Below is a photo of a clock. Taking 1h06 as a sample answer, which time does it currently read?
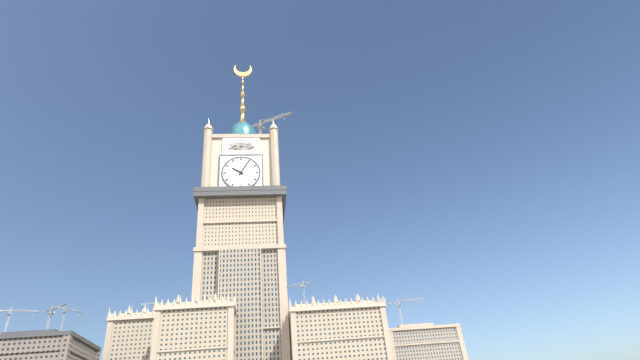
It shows 10h05
